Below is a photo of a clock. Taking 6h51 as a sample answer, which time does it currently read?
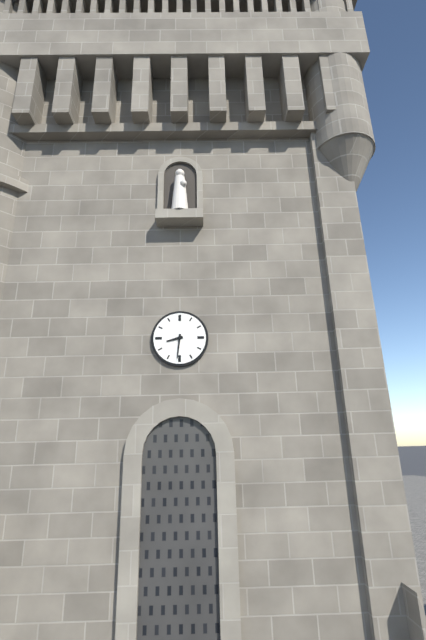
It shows 8h31
